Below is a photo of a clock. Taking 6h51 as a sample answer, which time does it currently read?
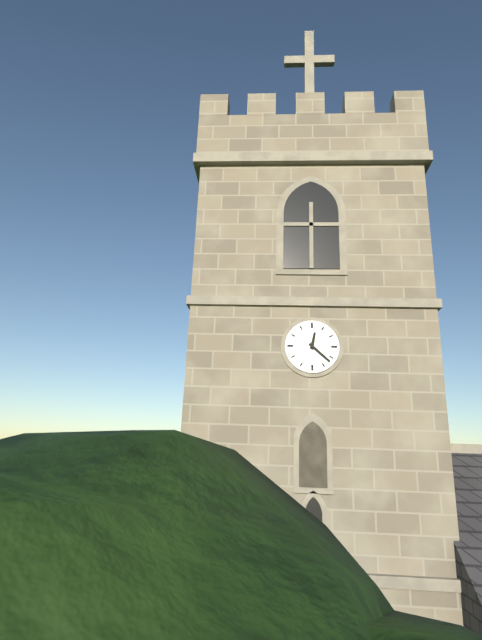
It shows 12h22
